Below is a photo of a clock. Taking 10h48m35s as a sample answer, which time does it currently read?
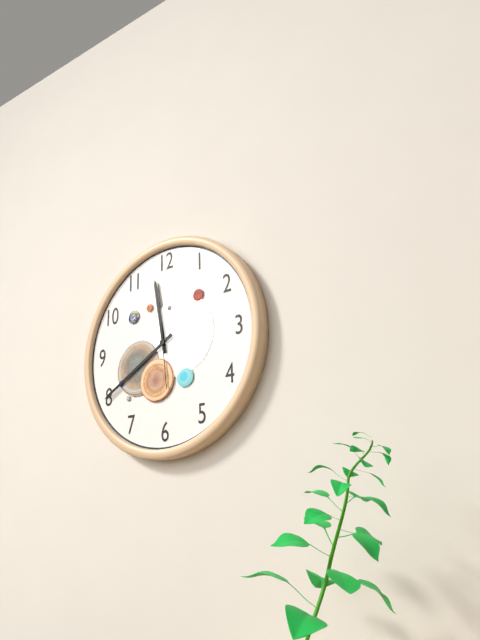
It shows 11h40m29s
